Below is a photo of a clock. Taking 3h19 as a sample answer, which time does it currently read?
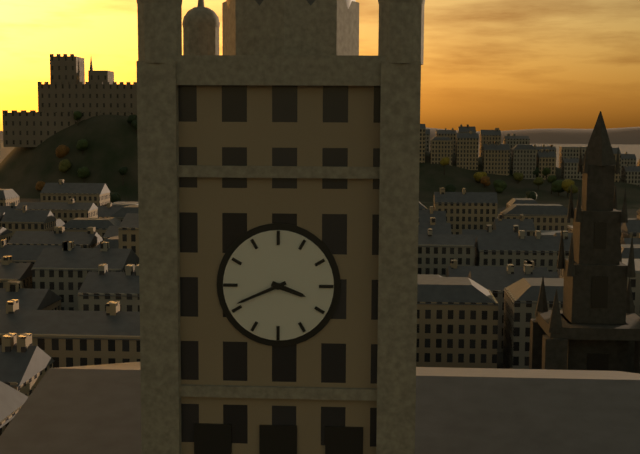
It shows 3h41
